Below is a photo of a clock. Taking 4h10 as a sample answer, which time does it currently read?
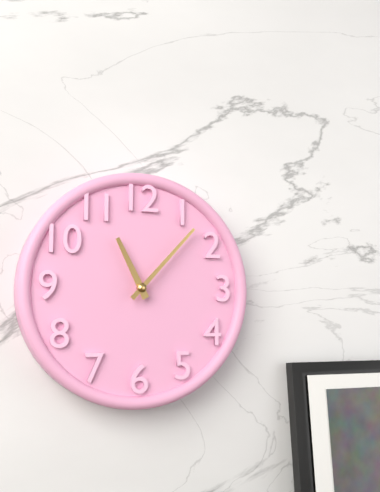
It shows 11h07
